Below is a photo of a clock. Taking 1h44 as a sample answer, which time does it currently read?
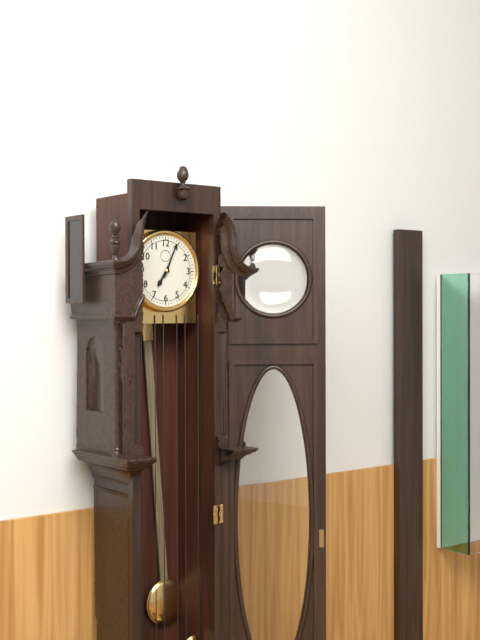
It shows 7h04
